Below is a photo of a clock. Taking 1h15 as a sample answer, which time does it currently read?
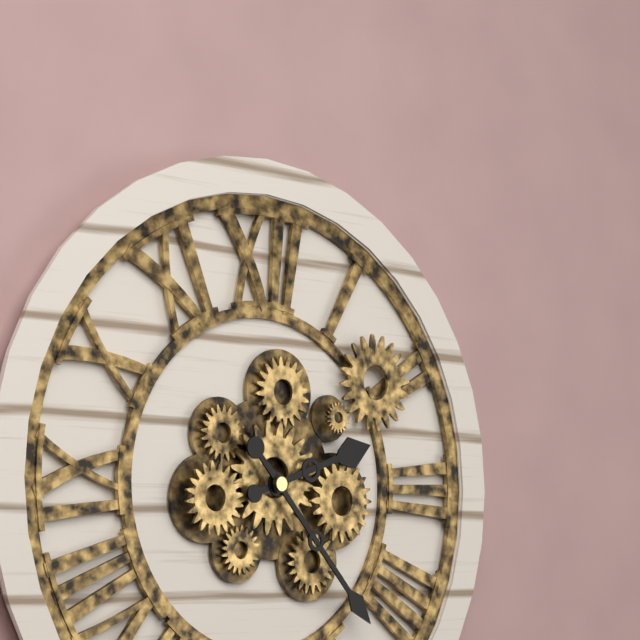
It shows 2h23
